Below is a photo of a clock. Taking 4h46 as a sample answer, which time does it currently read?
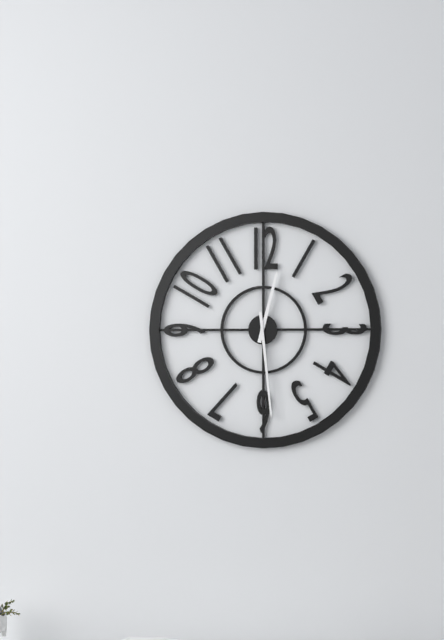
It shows 12h29
